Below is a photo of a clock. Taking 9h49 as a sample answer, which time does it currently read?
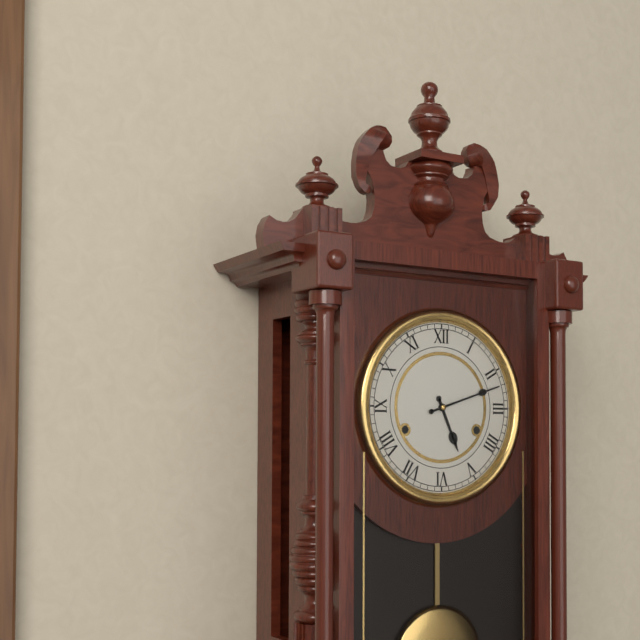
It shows 5h12
